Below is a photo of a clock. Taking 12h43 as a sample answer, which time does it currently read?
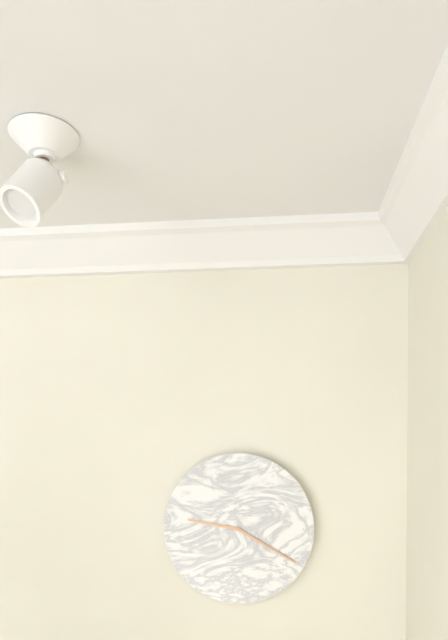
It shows 9h20
